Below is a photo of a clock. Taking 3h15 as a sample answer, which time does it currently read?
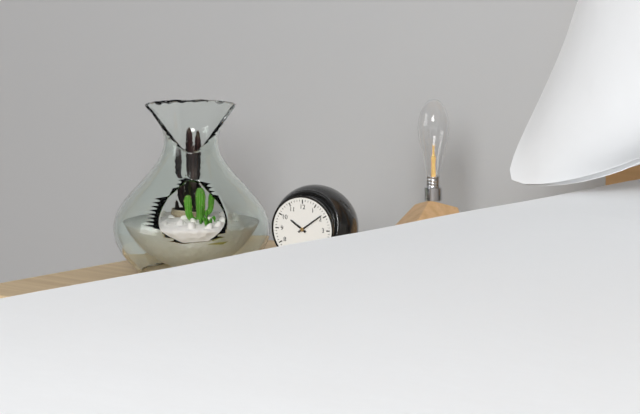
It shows 10h09
